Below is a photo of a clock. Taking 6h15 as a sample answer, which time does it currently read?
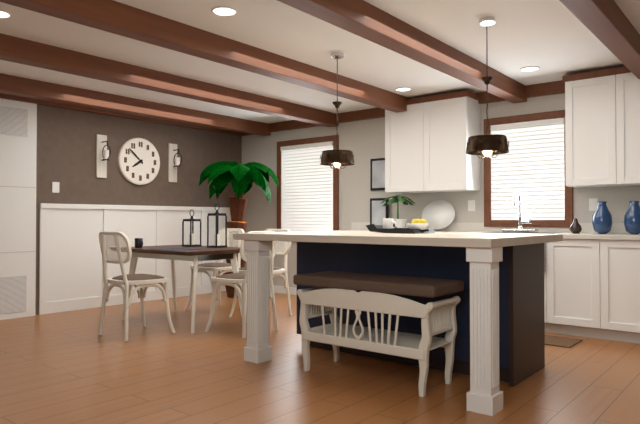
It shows 7h52
